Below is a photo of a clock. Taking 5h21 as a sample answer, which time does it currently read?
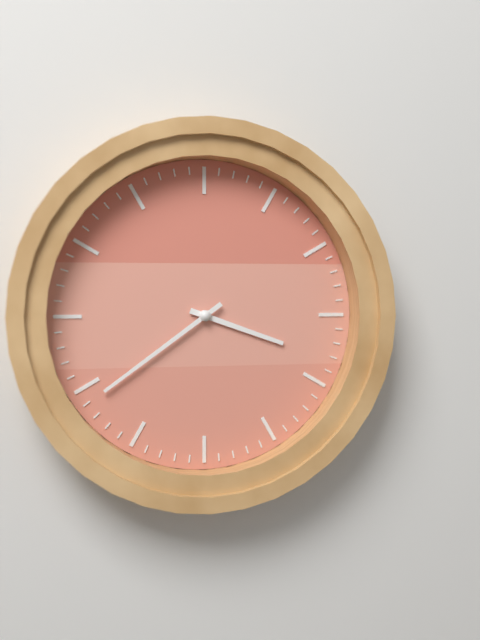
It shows 3h39
